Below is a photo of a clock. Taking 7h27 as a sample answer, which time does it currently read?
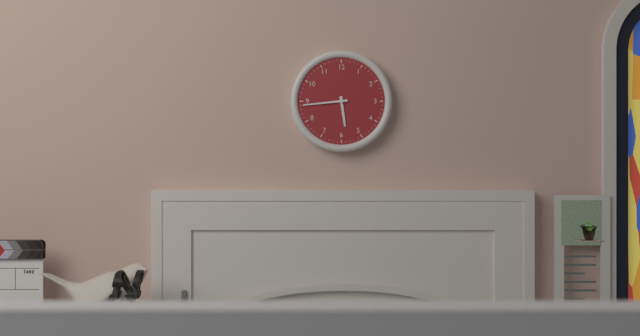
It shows 5h44
